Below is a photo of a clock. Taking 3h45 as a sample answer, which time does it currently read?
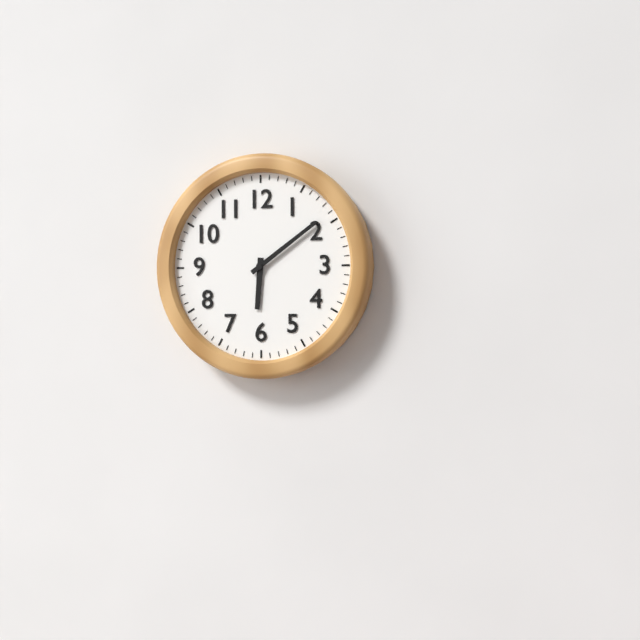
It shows 6h09
